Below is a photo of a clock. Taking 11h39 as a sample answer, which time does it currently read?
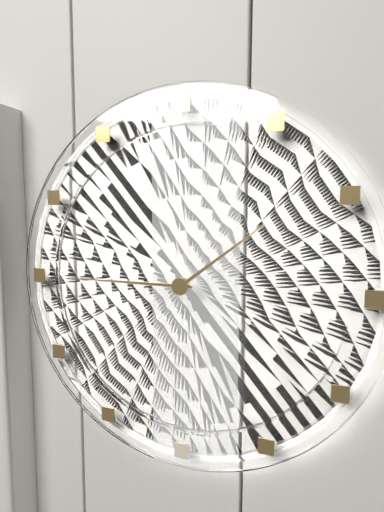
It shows 1h45
